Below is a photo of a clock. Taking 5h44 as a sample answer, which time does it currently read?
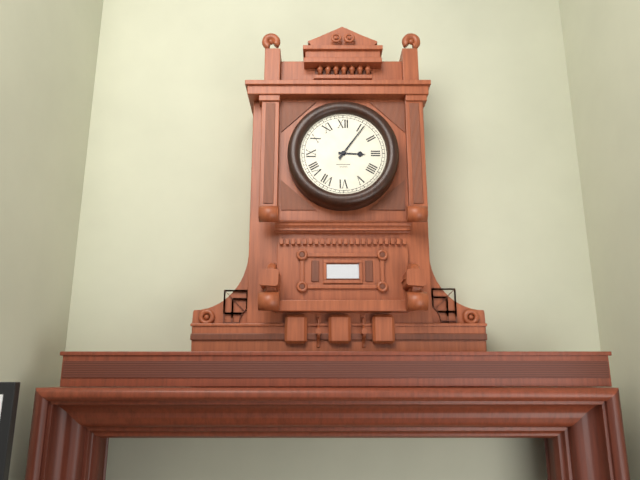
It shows 3h06
